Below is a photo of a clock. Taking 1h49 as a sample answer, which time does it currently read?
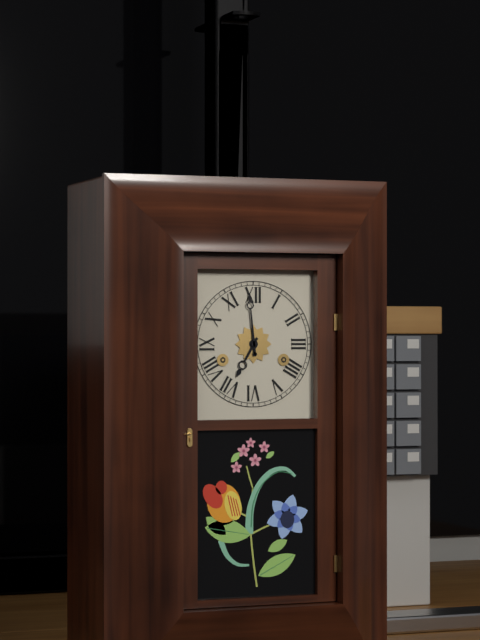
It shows 6h59
